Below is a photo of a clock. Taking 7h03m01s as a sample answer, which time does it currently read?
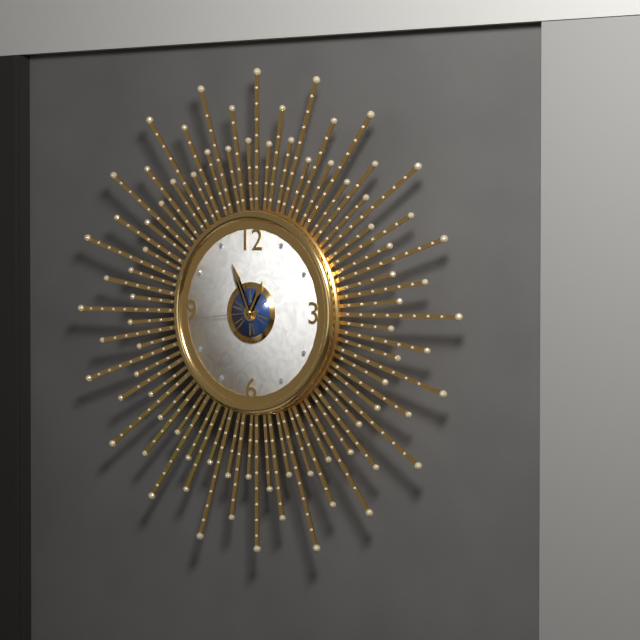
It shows 12h56m44s
